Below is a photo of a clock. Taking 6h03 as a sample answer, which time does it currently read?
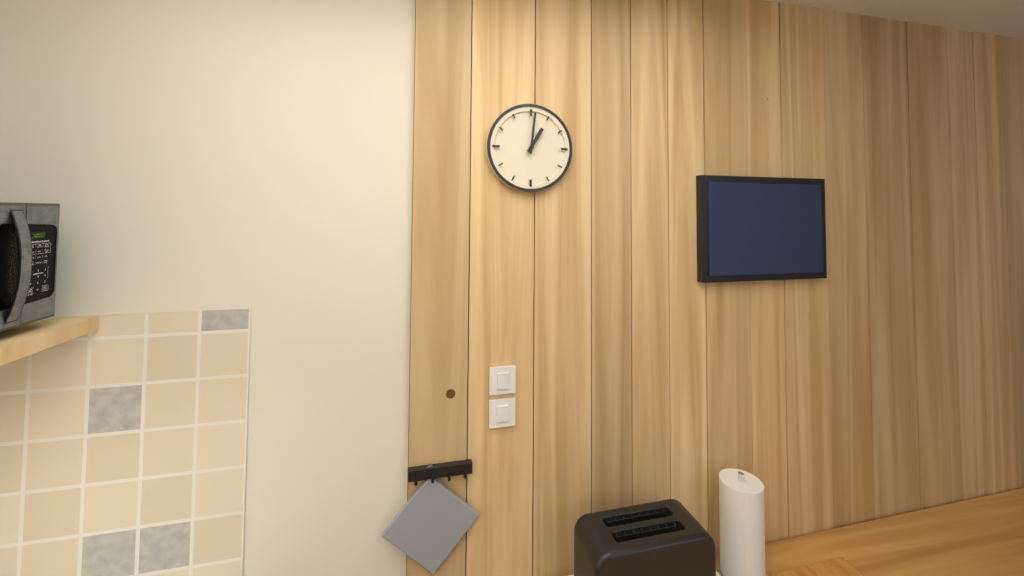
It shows 1h01
